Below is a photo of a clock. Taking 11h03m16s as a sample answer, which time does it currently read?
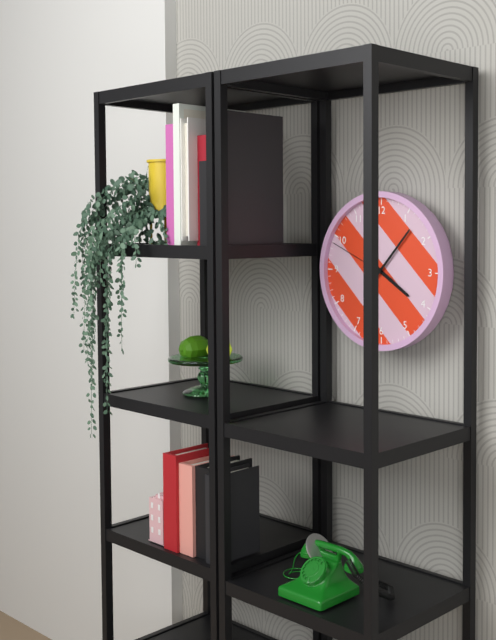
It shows 4h07m49s
